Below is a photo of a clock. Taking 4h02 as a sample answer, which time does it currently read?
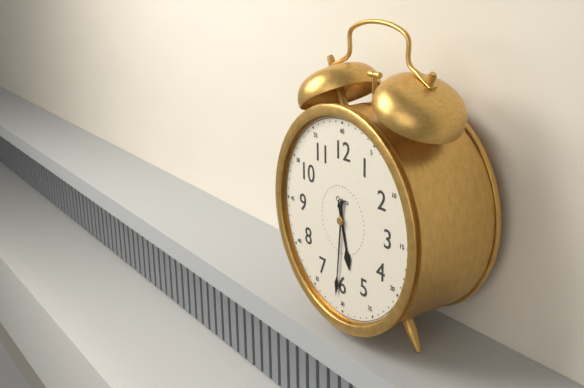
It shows 5h31
